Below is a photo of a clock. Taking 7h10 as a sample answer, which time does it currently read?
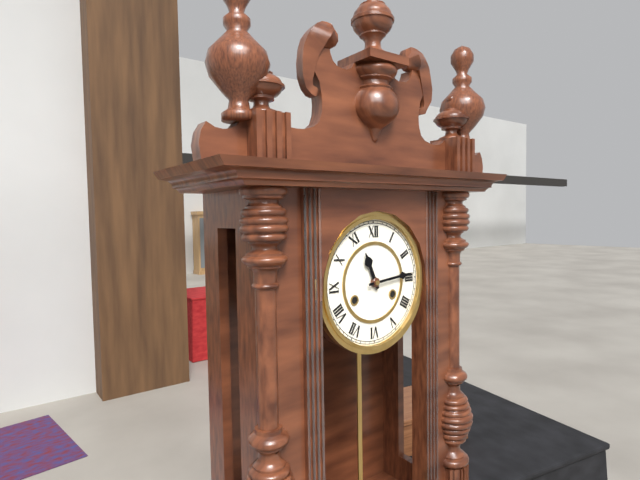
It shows 11h14
